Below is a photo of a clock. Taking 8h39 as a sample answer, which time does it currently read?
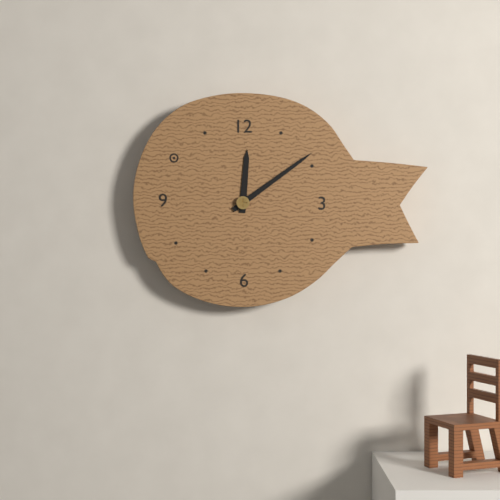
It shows 12h09
